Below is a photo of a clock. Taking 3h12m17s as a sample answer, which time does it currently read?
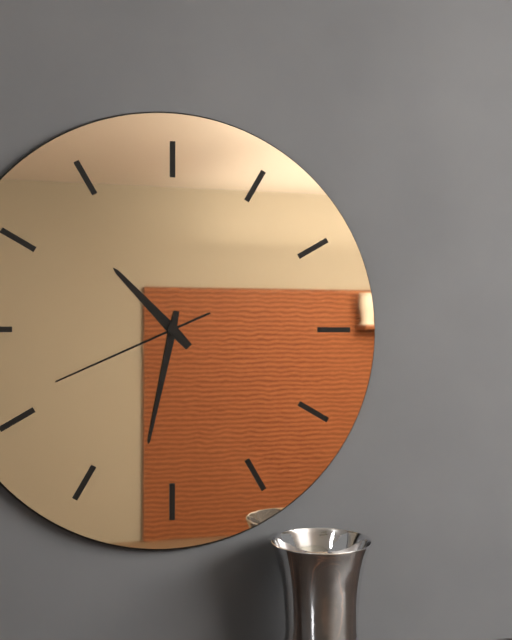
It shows 10h32m41s
